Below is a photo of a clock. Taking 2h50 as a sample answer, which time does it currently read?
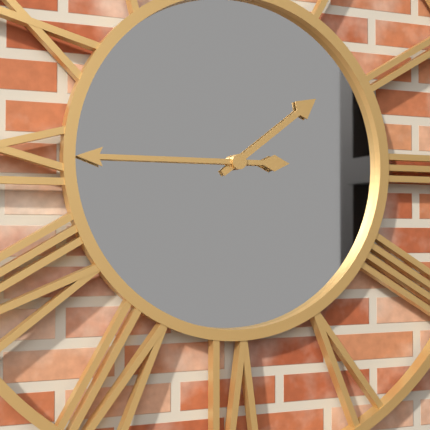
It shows 1h45
